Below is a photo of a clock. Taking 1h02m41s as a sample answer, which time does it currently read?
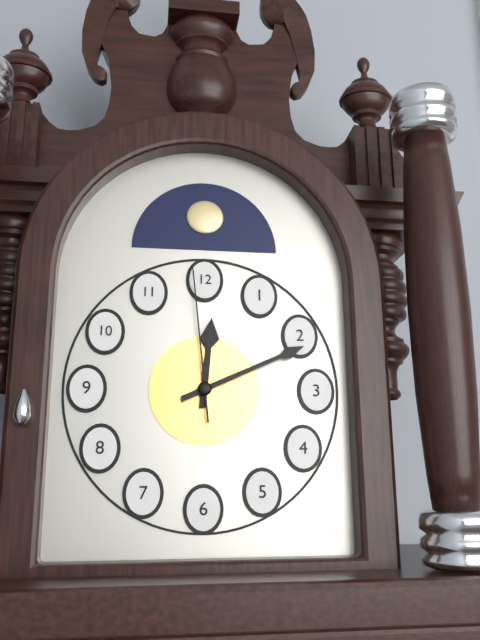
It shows 12h11m59s
